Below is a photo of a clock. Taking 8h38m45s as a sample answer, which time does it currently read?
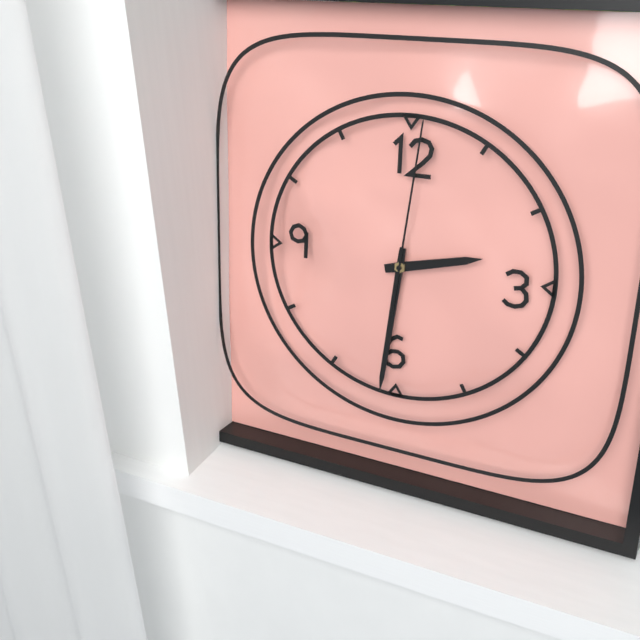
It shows 2h31m01s
